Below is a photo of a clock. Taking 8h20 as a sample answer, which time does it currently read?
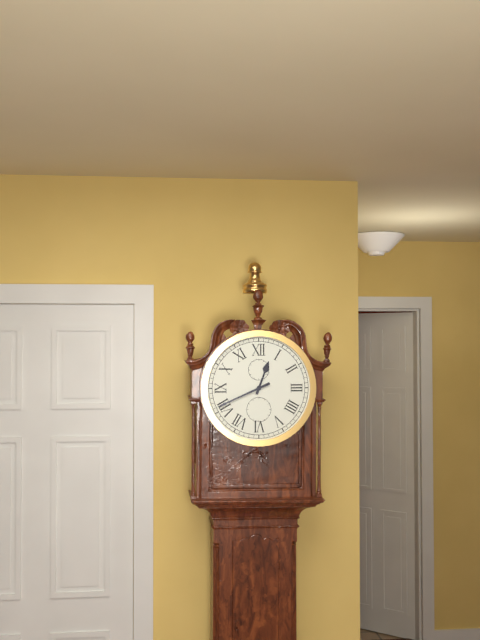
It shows 12h41
